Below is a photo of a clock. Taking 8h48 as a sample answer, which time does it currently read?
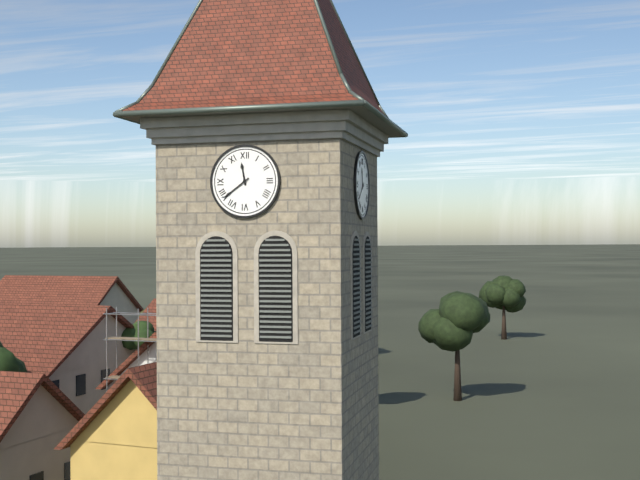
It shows 11h39
